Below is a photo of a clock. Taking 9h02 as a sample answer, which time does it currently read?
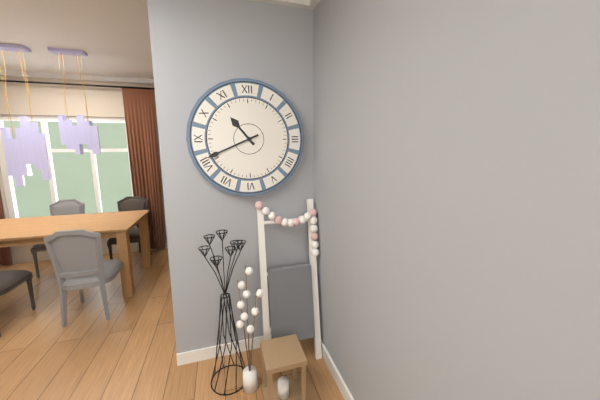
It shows 10h41
